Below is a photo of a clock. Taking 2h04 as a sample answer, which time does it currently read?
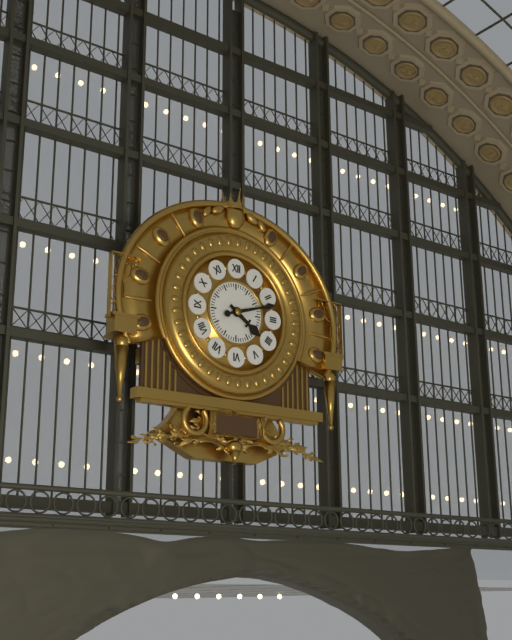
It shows 4h12
